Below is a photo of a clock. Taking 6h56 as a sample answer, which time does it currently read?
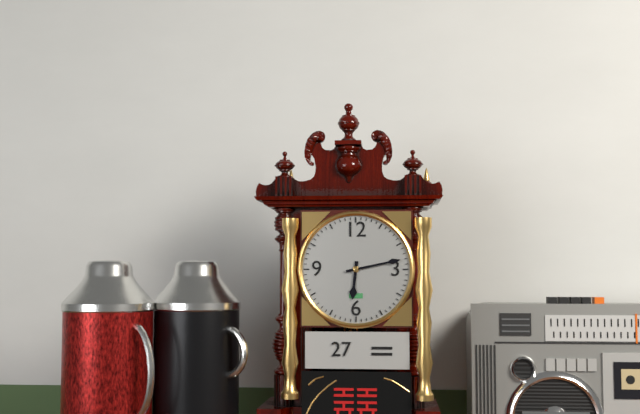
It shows 6h13
